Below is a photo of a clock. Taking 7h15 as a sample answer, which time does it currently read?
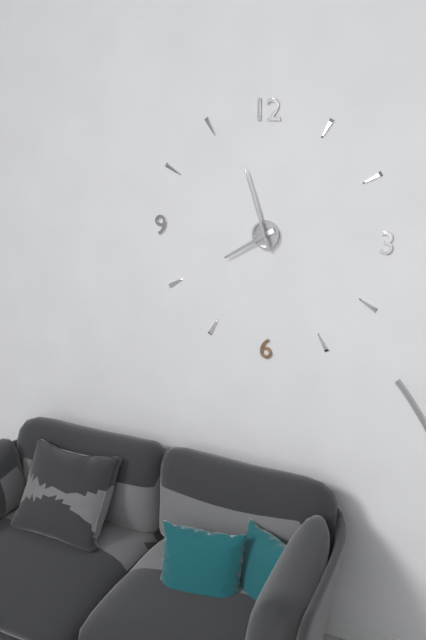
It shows 7h57
